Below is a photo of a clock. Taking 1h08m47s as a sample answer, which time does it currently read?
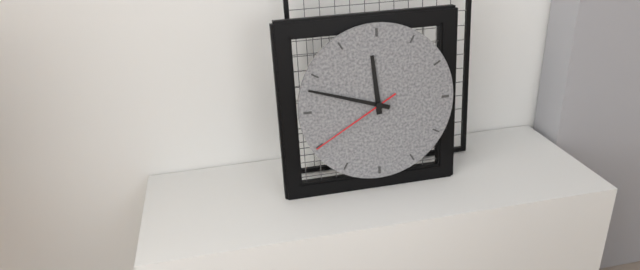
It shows 11h48m40s
